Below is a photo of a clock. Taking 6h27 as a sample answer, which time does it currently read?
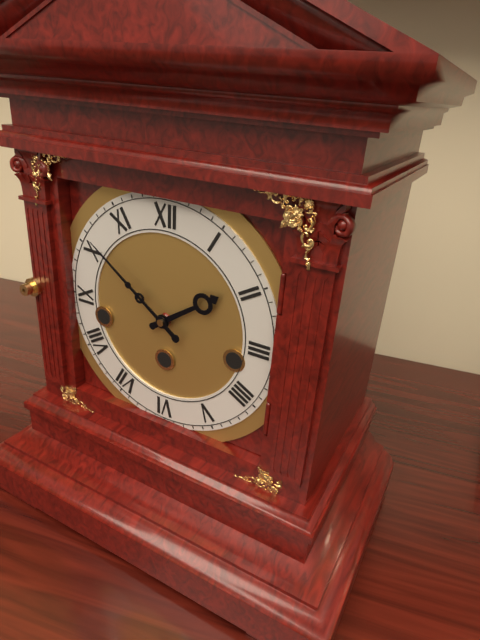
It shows 1h51
